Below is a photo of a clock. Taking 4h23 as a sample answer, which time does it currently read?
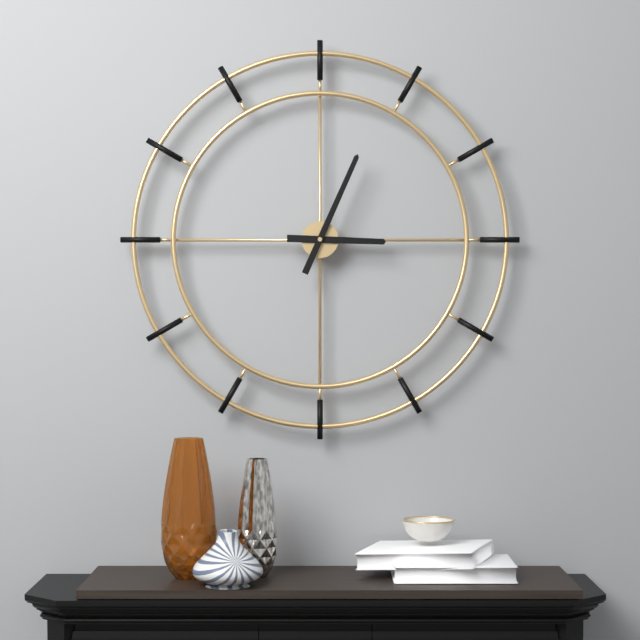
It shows 3h04
